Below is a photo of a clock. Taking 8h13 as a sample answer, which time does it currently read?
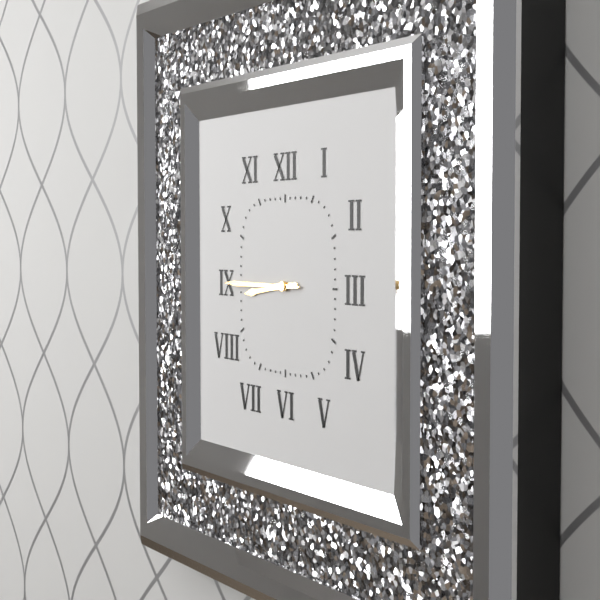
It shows 8h45
